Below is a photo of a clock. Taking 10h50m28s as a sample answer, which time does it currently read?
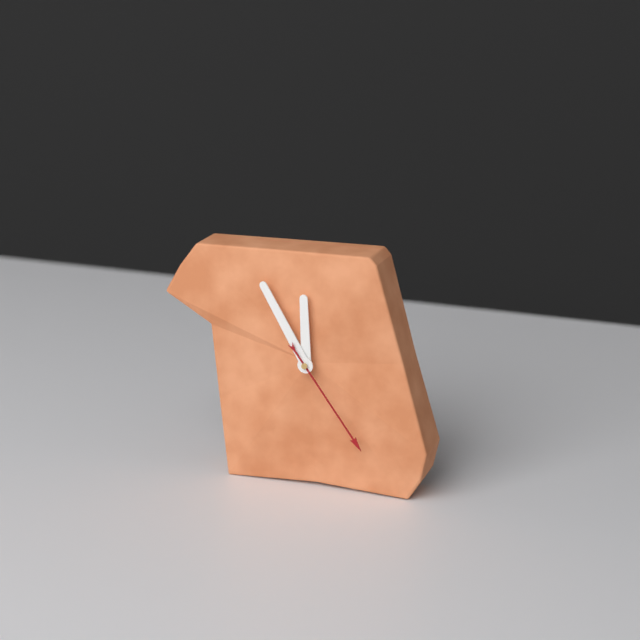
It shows 11h55m24s
